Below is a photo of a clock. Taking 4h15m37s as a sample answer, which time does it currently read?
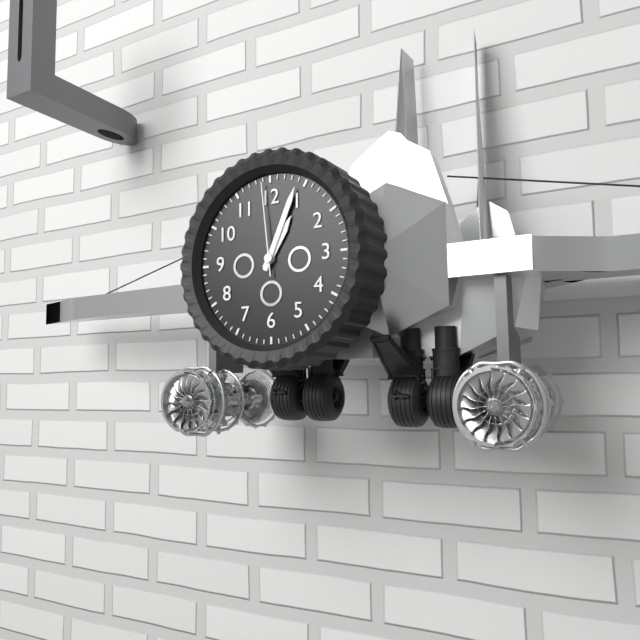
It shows 1h04m59s
